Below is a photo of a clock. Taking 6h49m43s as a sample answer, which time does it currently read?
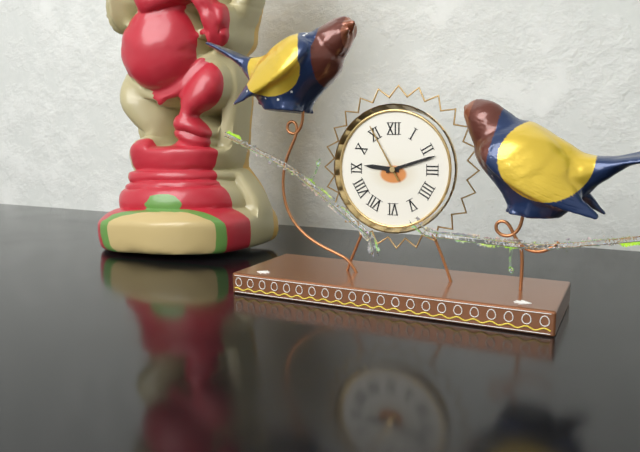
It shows 9h12m55s
